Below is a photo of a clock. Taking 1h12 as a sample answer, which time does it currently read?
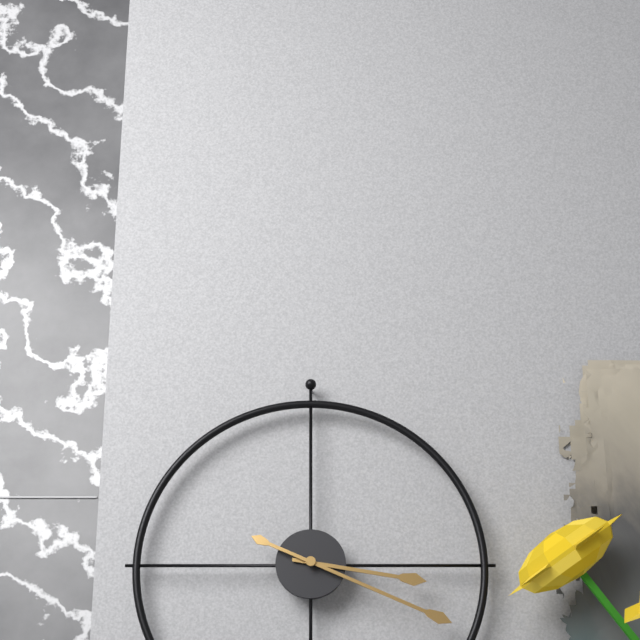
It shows 3h19
